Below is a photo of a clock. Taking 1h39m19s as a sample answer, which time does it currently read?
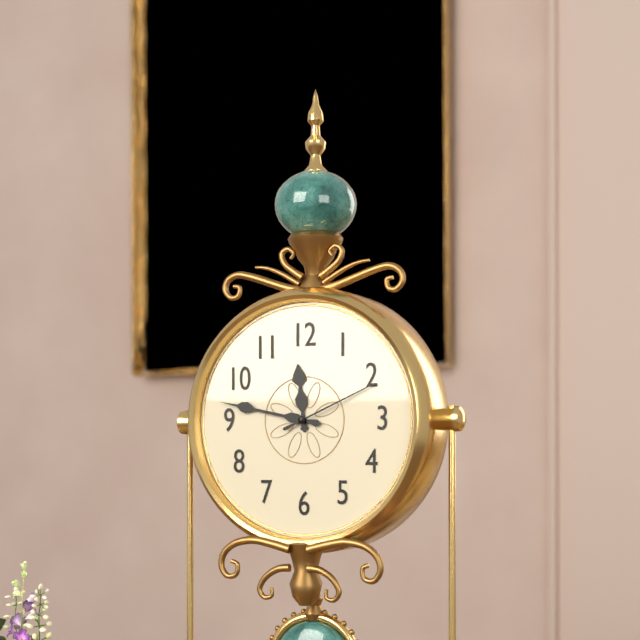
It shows 11h47m11s
